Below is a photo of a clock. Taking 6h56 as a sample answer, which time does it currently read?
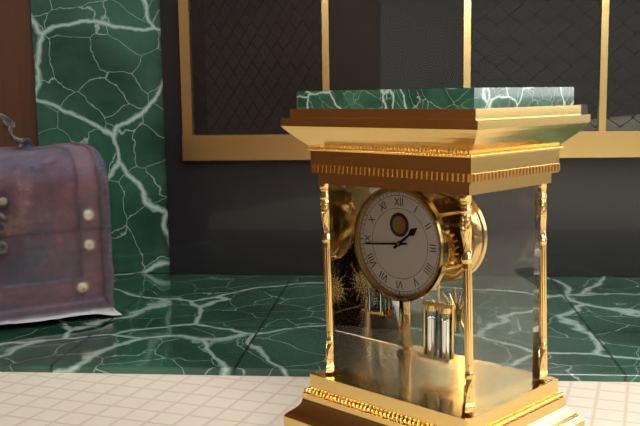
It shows 1h44
